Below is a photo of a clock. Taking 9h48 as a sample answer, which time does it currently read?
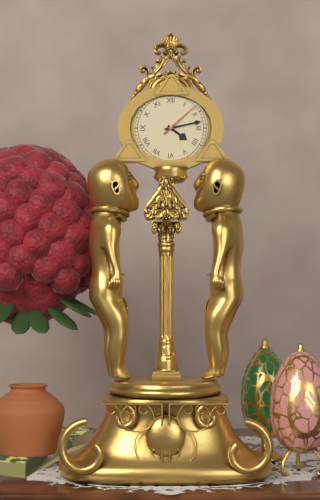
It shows 4h13
